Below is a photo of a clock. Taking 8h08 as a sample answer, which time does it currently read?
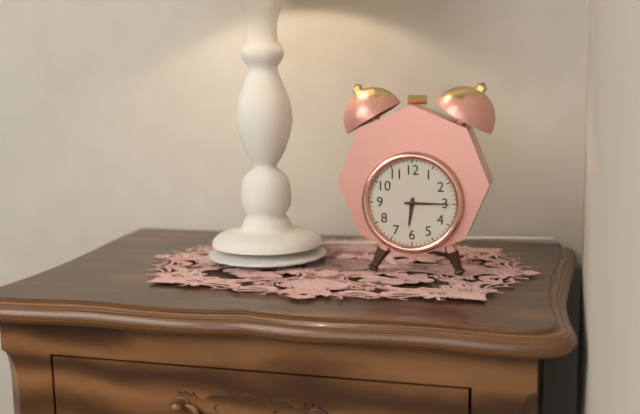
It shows 6h15
